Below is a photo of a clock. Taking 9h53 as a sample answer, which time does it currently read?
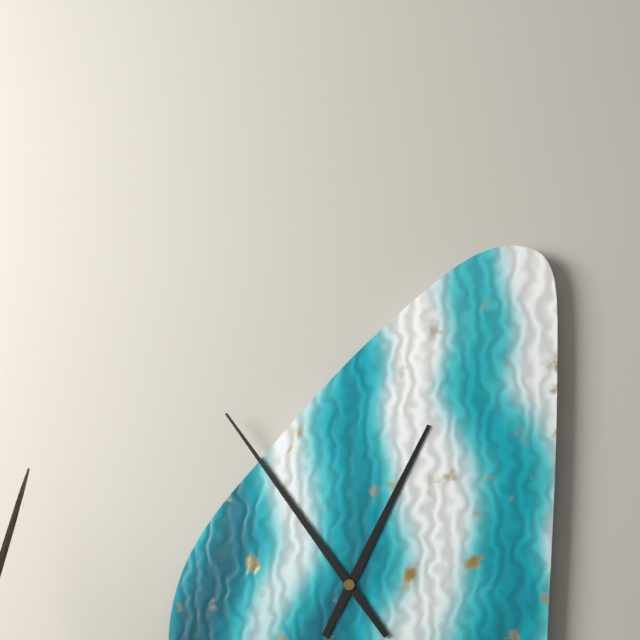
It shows 12h54
